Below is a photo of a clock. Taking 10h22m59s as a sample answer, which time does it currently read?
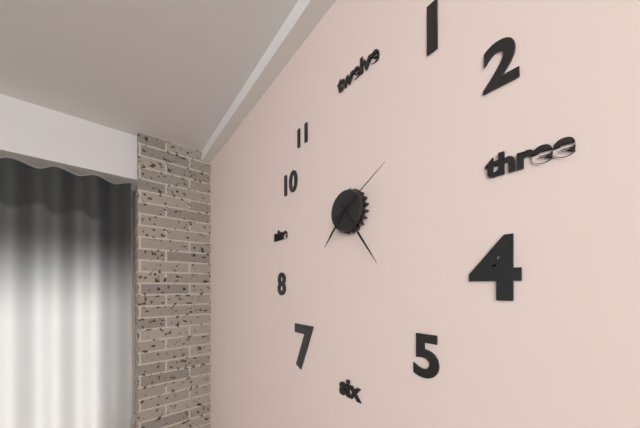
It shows 7h24m10s
